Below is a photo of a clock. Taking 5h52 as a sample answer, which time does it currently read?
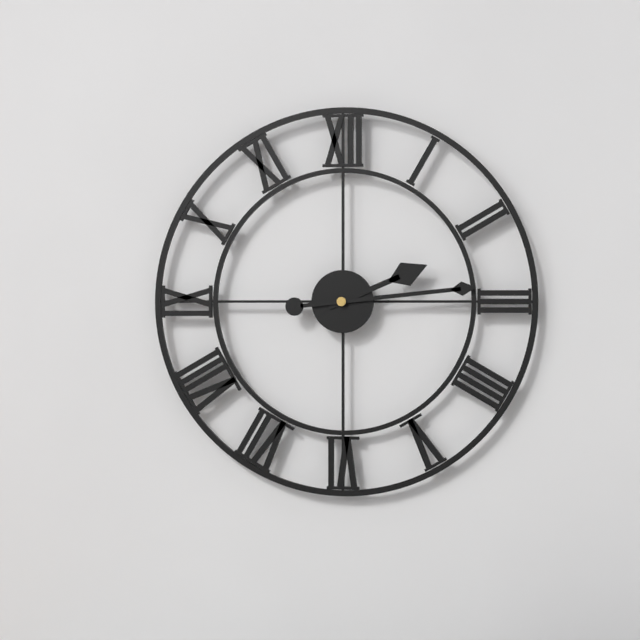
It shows 2h14
